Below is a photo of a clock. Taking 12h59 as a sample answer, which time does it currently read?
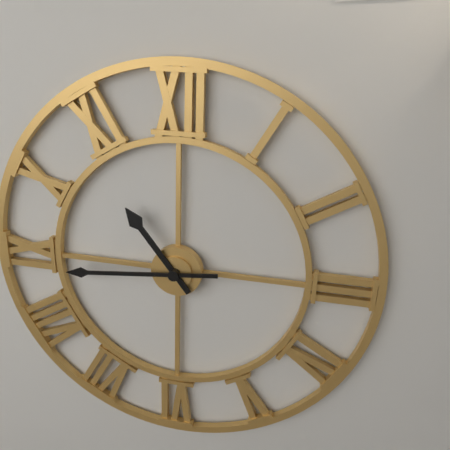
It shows 10h44
